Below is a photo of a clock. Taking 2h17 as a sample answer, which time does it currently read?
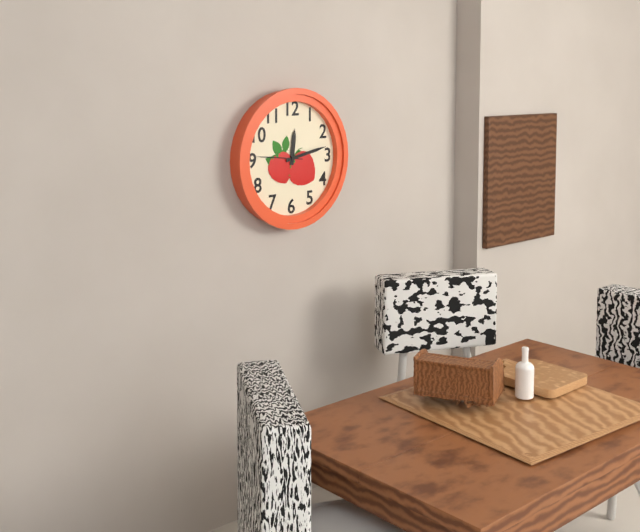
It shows 12h13
